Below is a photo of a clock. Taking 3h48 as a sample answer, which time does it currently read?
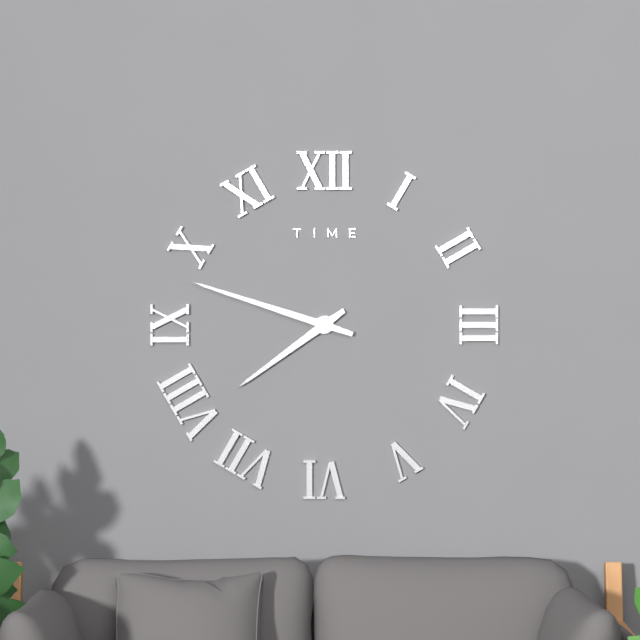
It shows 7h48
